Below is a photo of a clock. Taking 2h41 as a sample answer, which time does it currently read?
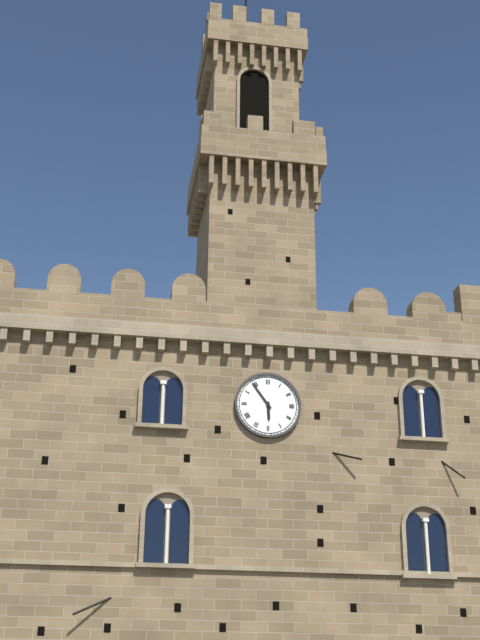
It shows 5h54
